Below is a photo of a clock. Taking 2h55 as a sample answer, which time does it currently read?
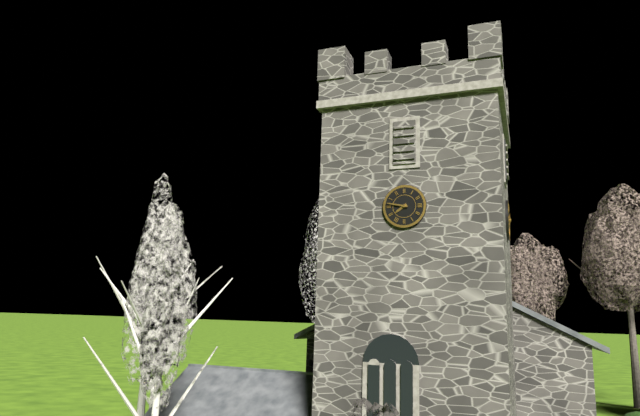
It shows 7h47
